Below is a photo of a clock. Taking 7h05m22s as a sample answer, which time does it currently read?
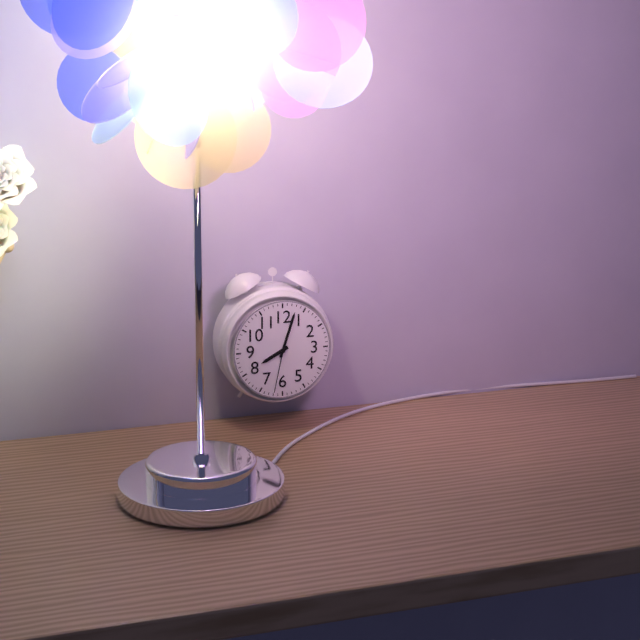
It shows 8h03m32s
